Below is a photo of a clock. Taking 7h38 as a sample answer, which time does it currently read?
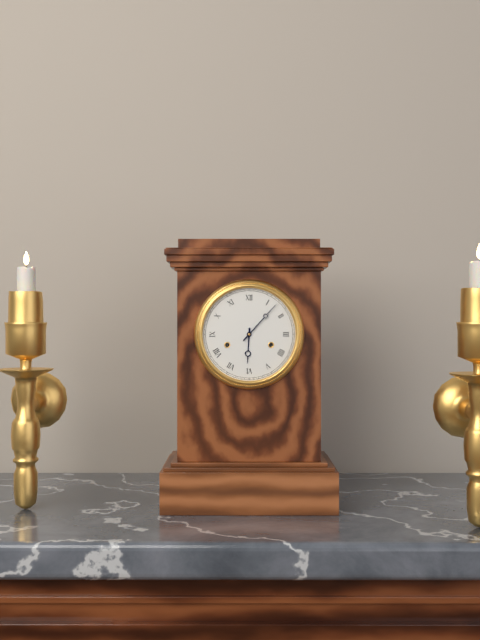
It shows 6h07
